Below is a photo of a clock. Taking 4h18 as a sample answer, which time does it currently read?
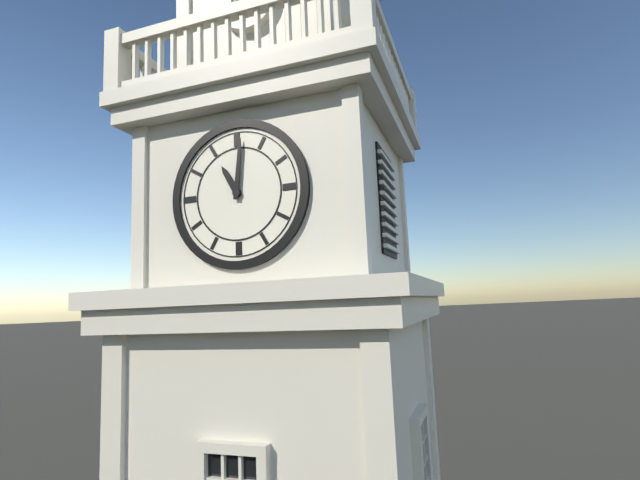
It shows 11h01
